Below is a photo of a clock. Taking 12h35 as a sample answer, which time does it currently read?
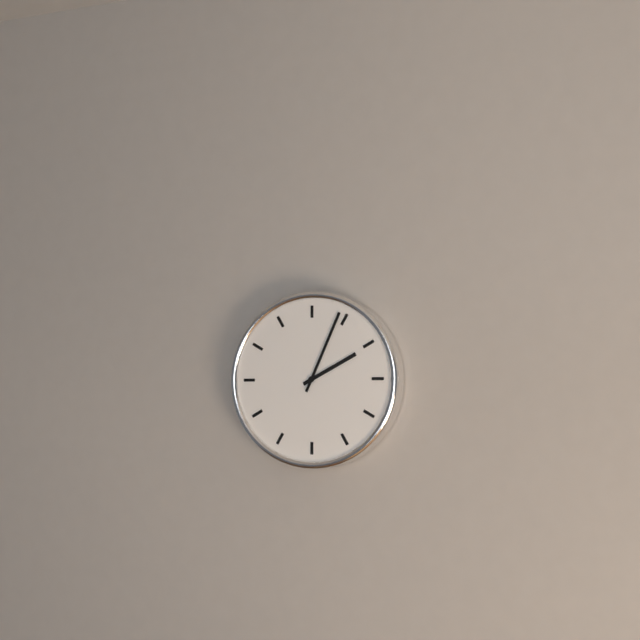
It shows 2h04
